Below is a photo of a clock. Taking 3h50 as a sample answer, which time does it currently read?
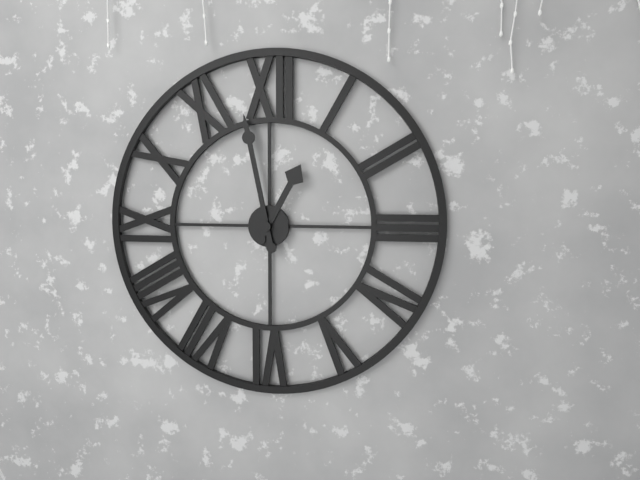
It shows 12h58
